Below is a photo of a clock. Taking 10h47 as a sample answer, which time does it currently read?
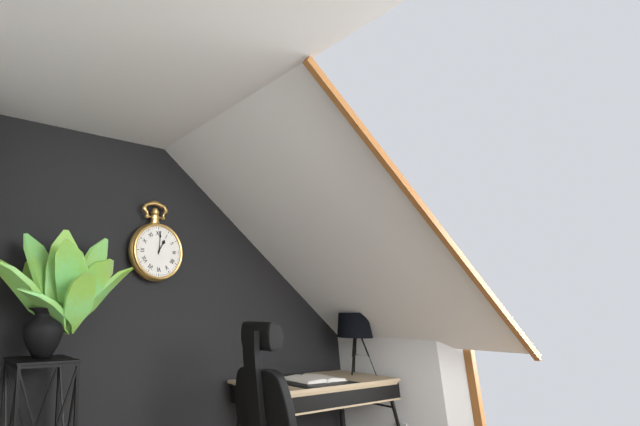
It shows 1h01
